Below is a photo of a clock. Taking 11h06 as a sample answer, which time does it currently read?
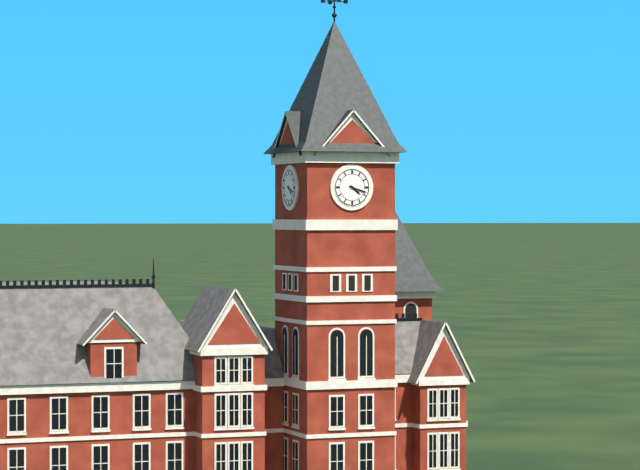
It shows 4h18
